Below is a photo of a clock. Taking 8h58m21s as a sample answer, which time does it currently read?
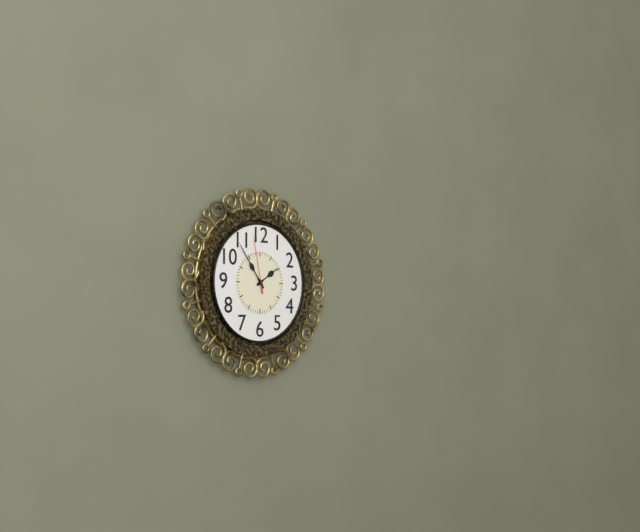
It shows 1h54m58s
